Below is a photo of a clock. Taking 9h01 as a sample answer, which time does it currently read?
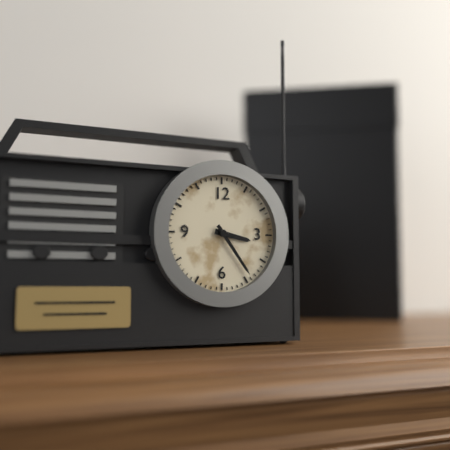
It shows 3h24
